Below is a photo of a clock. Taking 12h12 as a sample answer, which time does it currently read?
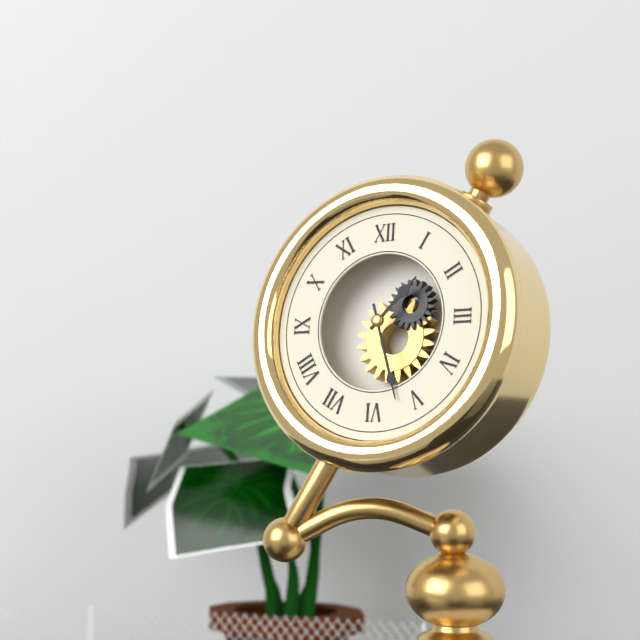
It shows 1h27
